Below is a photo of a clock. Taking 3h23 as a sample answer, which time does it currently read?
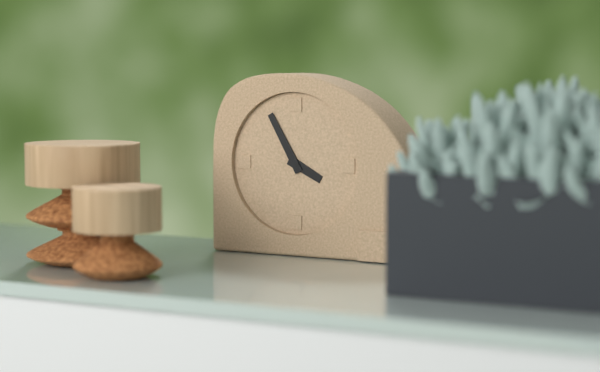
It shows 3h55
